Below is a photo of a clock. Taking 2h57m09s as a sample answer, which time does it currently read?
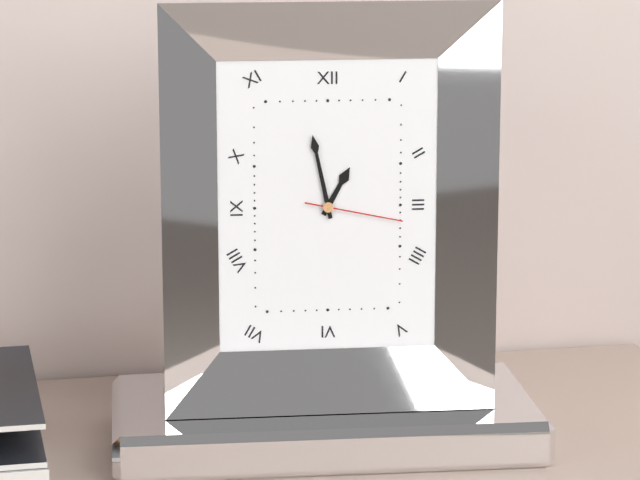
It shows 12h58m17s
